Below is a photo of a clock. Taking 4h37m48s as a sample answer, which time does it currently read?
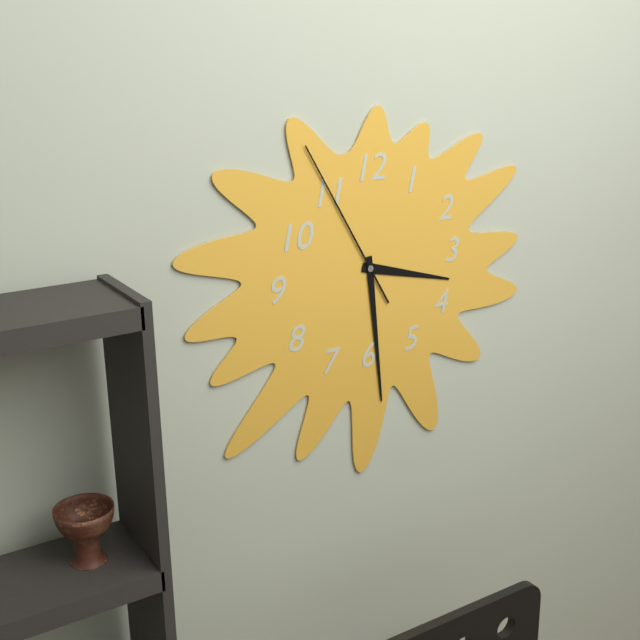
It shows 3h29m55s
